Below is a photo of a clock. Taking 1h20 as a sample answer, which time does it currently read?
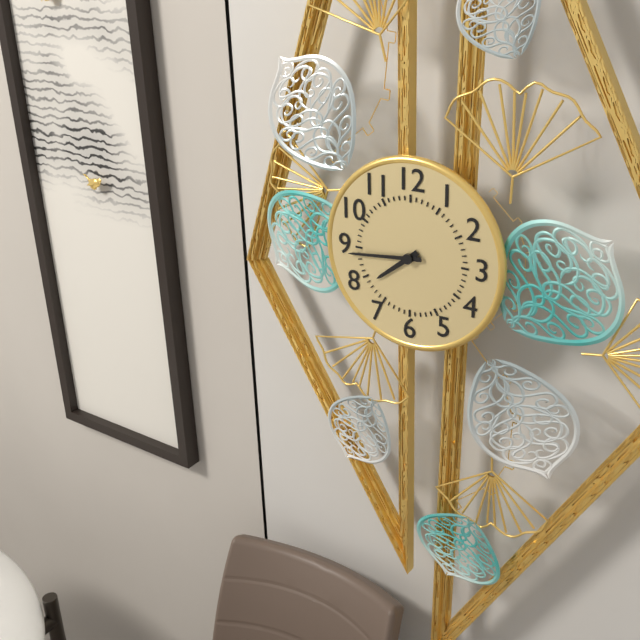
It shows 7h44
